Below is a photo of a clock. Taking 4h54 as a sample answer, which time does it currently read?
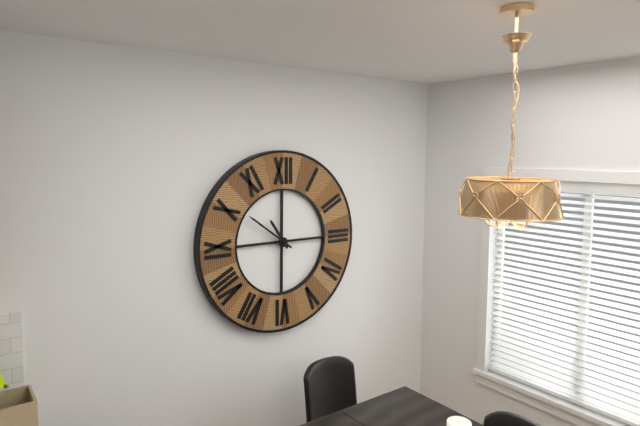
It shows 10h51
